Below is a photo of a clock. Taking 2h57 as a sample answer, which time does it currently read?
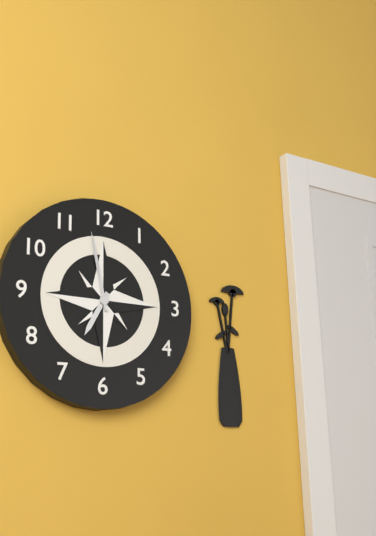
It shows 6h58
